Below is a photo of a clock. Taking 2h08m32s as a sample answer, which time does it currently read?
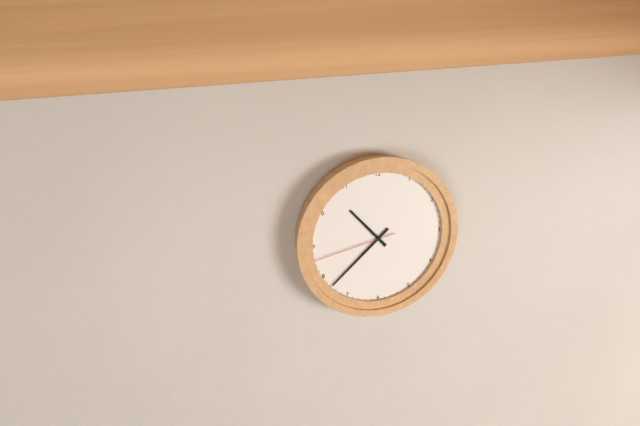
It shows 10h38m43s
